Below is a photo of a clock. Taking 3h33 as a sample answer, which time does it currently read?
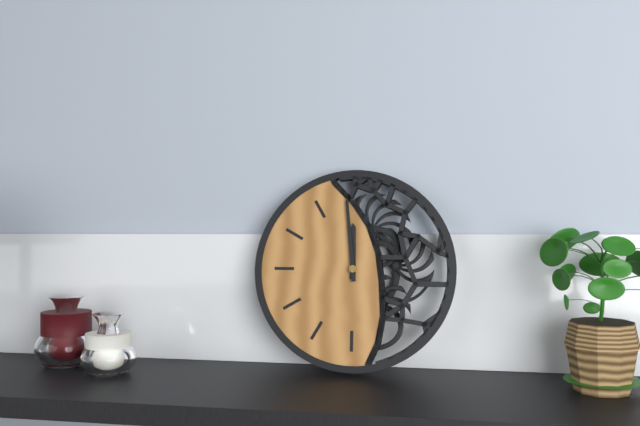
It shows 11h59
